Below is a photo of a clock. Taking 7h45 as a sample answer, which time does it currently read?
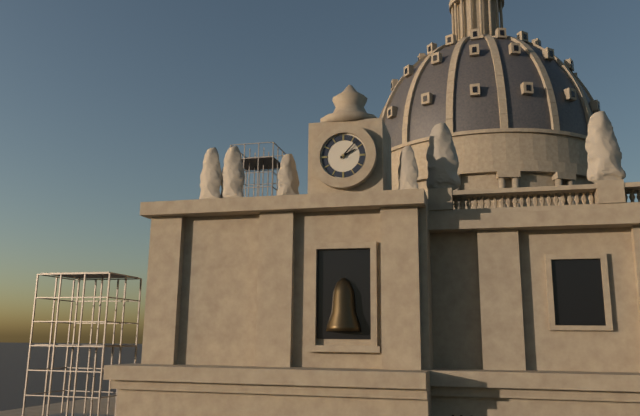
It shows 2h07
